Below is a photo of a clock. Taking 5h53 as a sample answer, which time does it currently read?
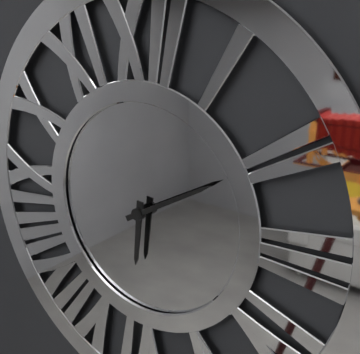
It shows 6h10
